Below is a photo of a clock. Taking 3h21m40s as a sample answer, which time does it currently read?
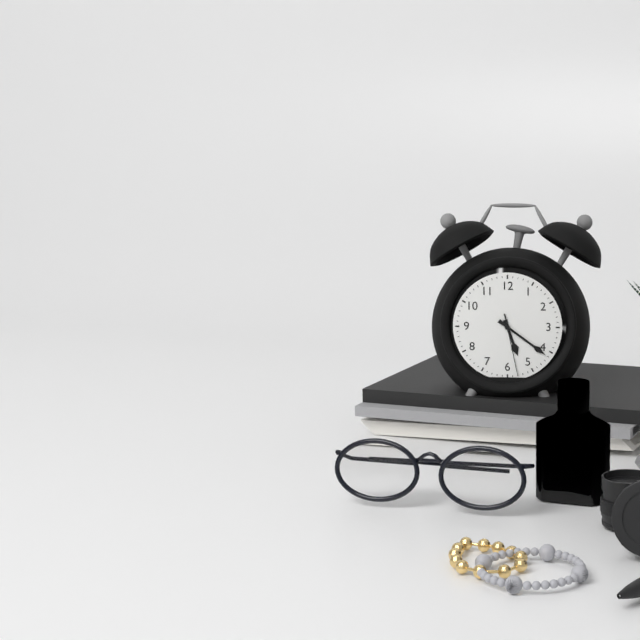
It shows 5h21m28s
